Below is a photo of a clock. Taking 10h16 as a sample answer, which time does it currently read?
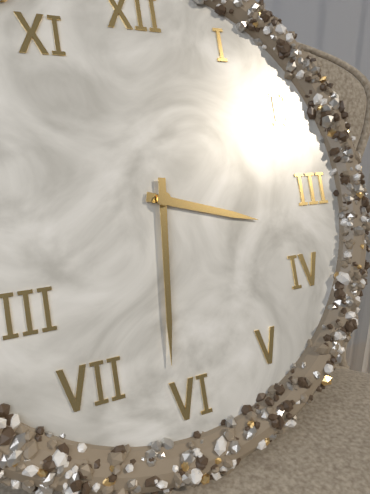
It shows 3h31
